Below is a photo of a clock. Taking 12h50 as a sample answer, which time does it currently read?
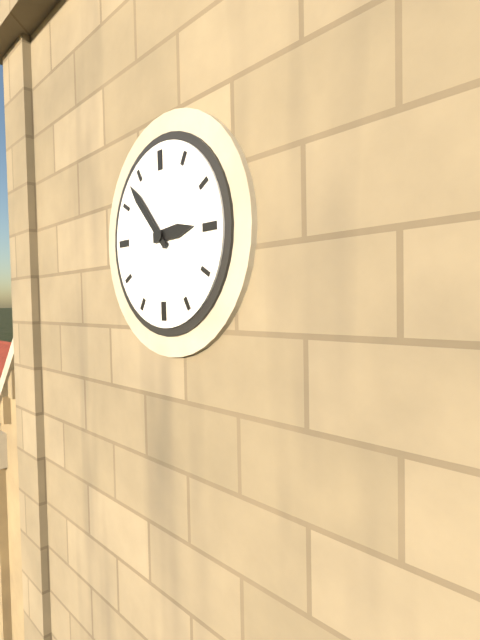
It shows 2h53
